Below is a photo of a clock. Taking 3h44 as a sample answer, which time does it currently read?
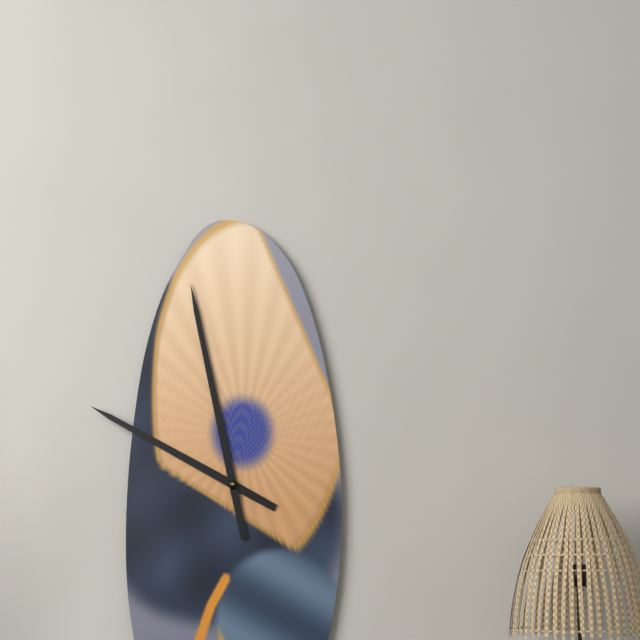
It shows 9h58
